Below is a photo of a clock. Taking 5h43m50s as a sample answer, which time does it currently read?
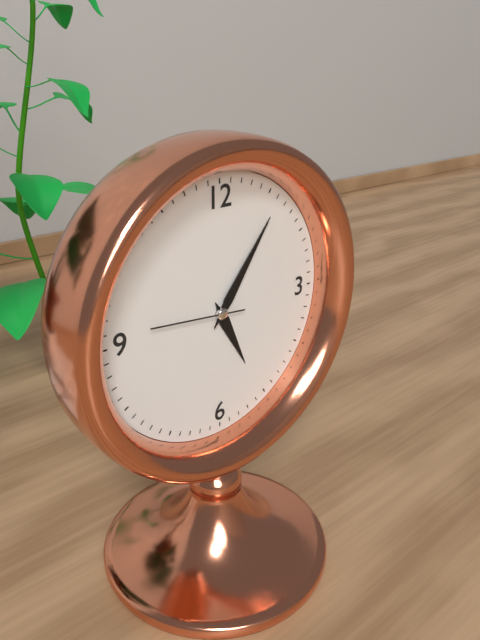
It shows 5h06m46s
